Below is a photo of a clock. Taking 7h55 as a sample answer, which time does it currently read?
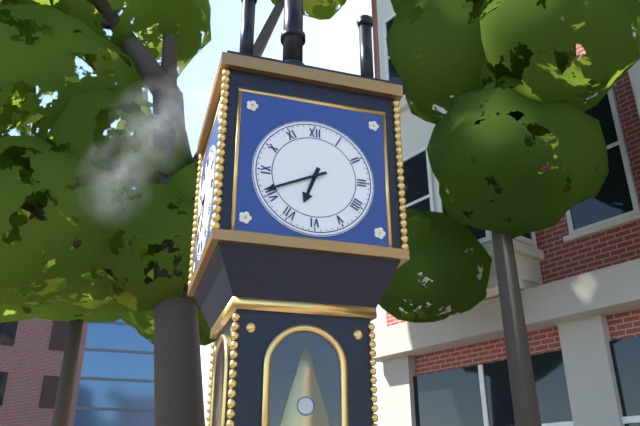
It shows 6h41
